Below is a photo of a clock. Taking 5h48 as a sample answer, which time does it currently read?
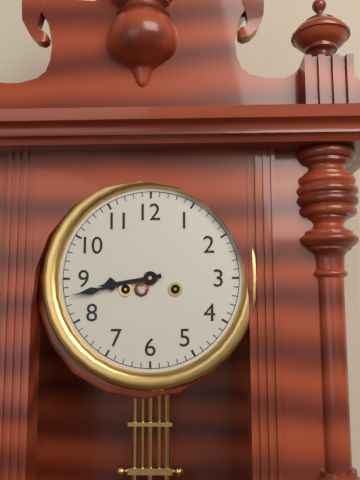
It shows 8h43
